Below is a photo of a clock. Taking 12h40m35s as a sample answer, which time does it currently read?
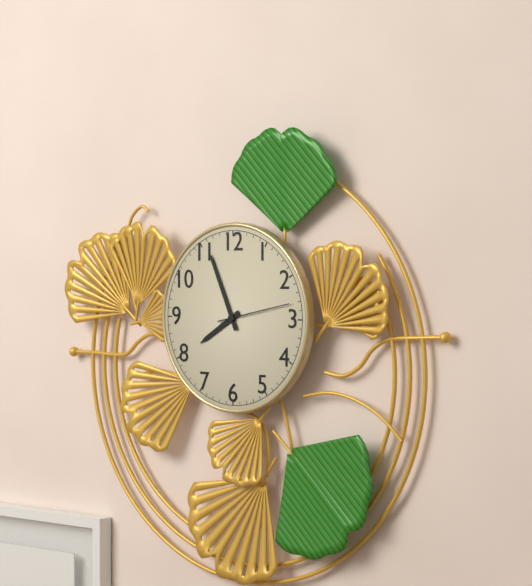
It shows 7h56m13s
